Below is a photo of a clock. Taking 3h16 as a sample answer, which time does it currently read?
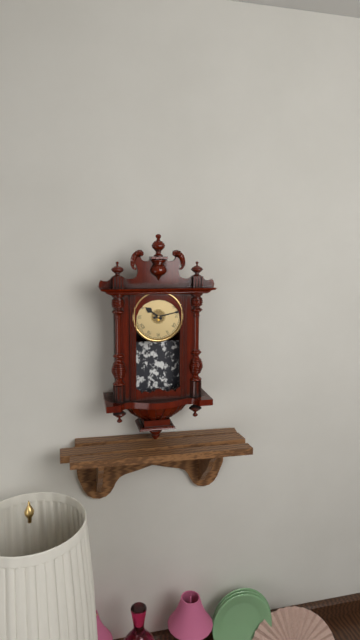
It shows 10h13
